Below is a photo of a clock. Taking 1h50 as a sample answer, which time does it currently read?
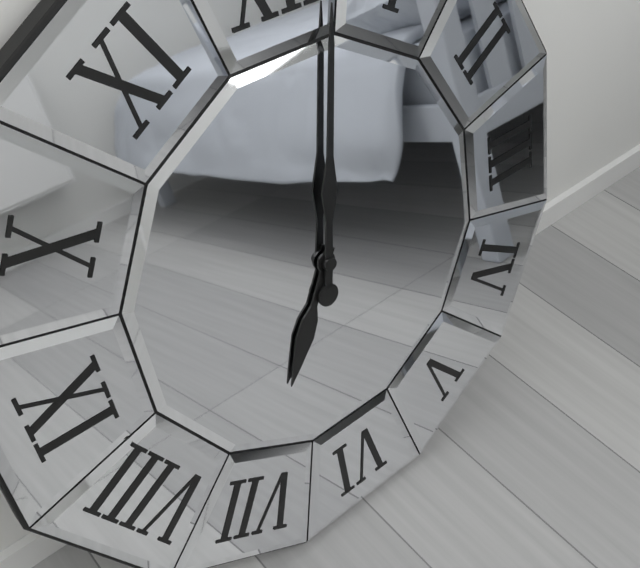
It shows 7h02
